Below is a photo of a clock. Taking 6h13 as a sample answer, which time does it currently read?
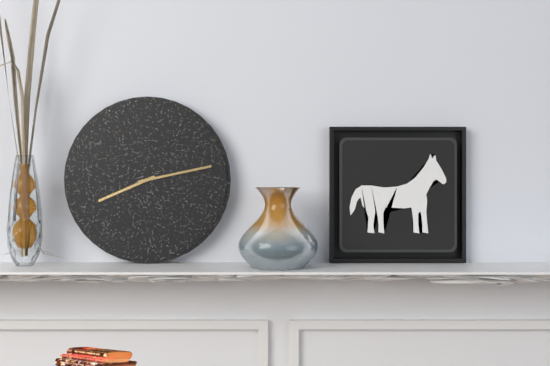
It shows 8h13
